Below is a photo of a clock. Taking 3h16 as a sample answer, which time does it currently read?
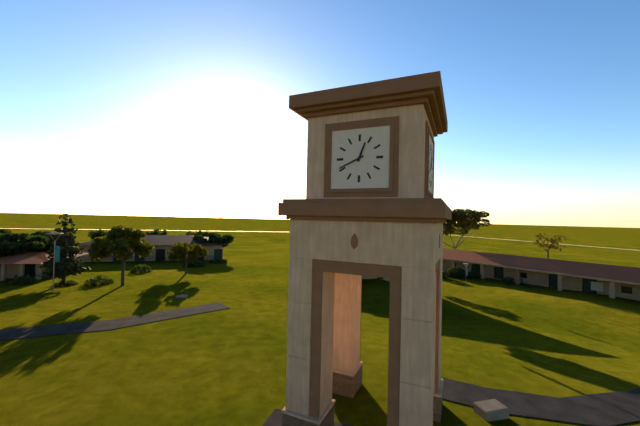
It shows 12h41
